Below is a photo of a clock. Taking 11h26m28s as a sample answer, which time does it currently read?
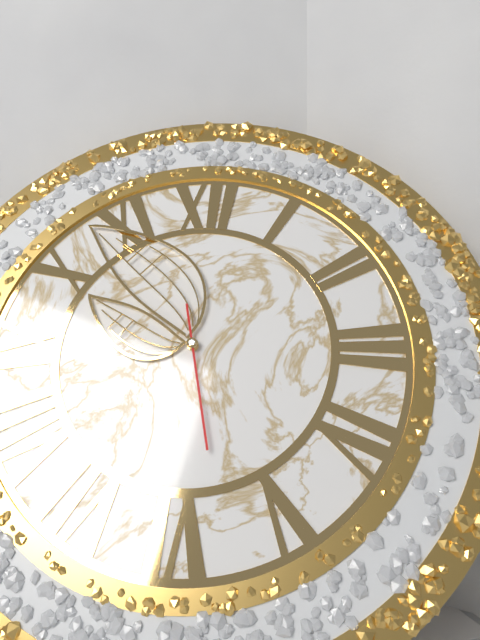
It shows 9h53m28s
